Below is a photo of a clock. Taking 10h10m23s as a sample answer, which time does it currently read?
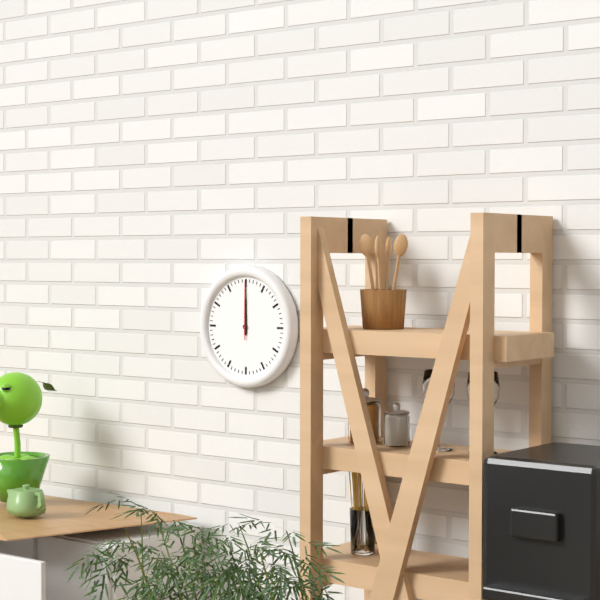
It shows 12h00m00s
